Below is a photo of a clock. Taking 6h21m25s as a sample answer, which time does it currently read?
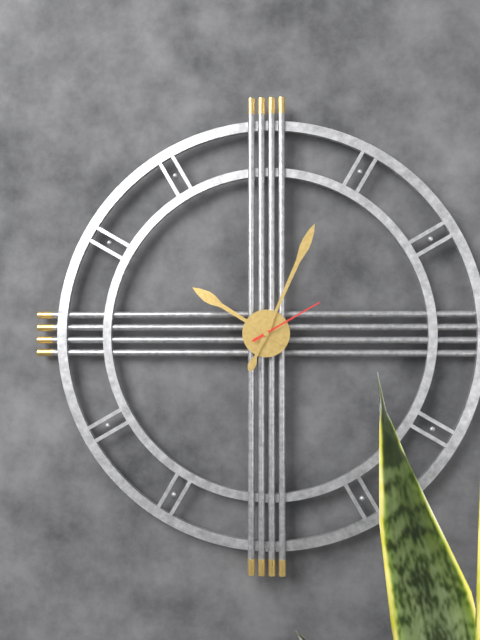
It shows 10h04m10s
